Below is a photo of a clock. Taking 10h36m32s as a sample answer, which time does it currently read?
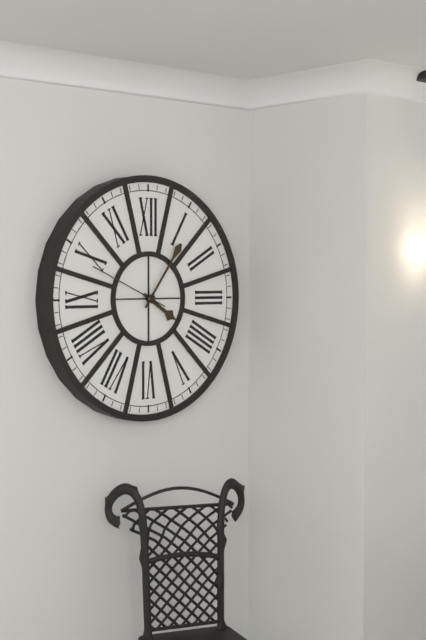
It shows 4h06m49s
